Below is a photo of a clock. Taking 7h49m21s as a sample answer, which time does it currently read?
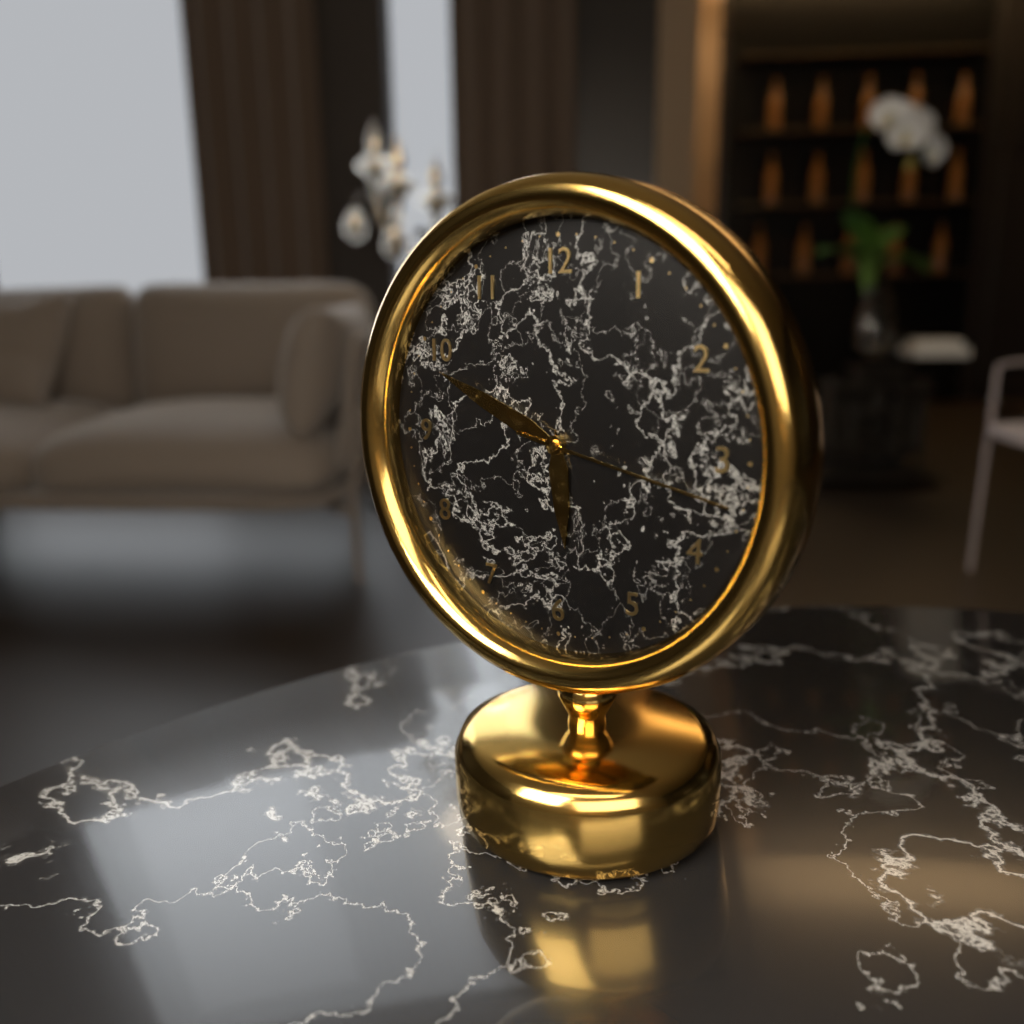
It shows 5h49m17s
